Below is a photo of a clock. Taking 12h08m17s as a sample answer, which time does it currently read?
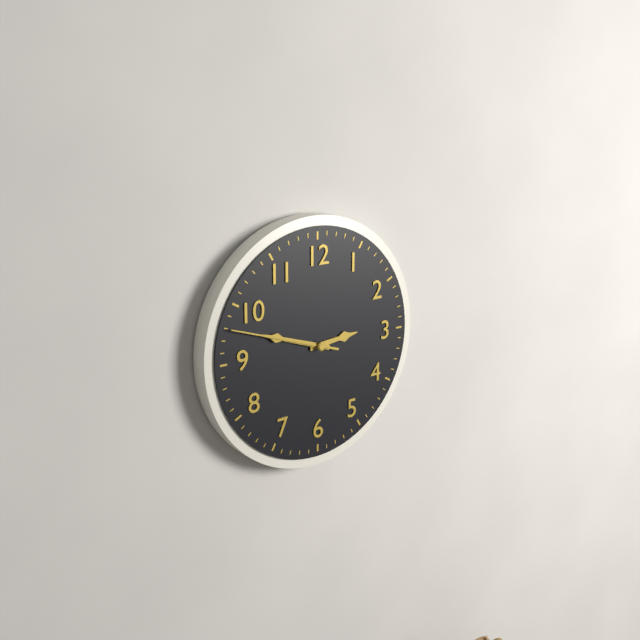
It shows 2h48m48s
